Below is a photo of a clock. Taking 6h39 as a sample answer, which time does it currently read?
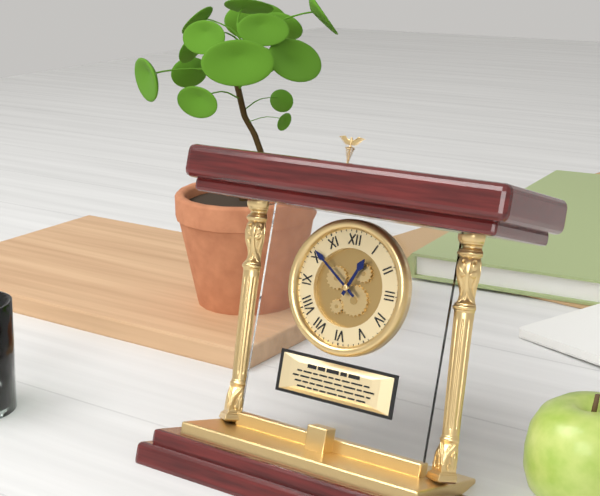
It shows 12h51
